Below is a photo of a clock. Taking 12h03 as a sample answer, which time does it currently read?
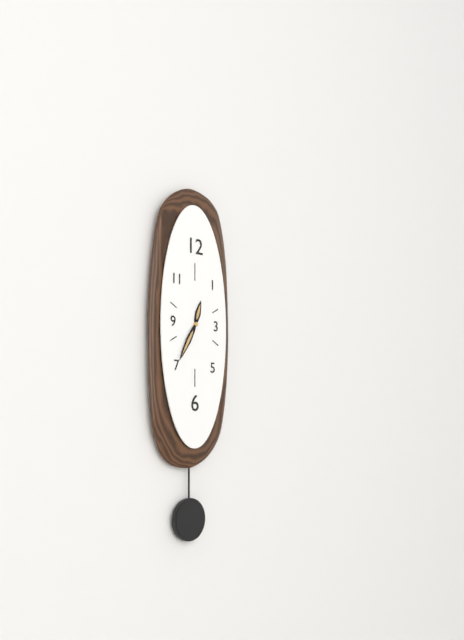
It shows 12h35
